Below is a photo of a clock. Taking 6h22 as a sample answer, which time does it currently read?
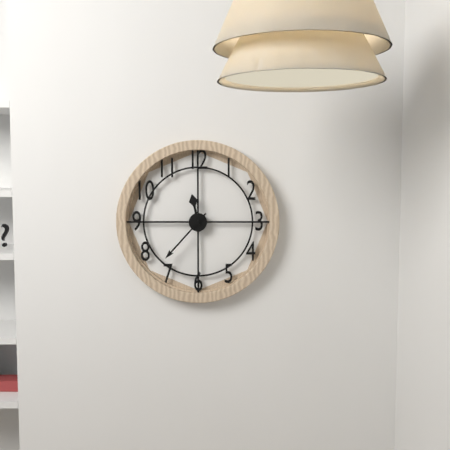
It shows 11h37
